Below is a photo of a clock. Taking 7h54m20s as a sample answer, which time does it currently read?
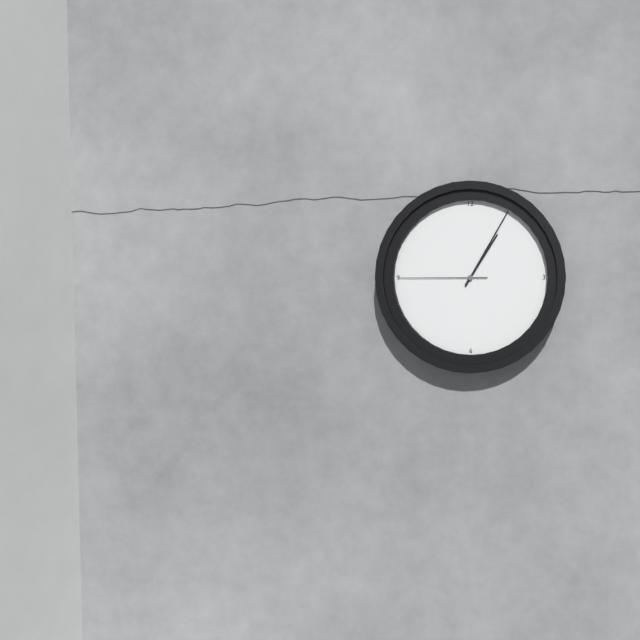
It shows 1h05m45s
